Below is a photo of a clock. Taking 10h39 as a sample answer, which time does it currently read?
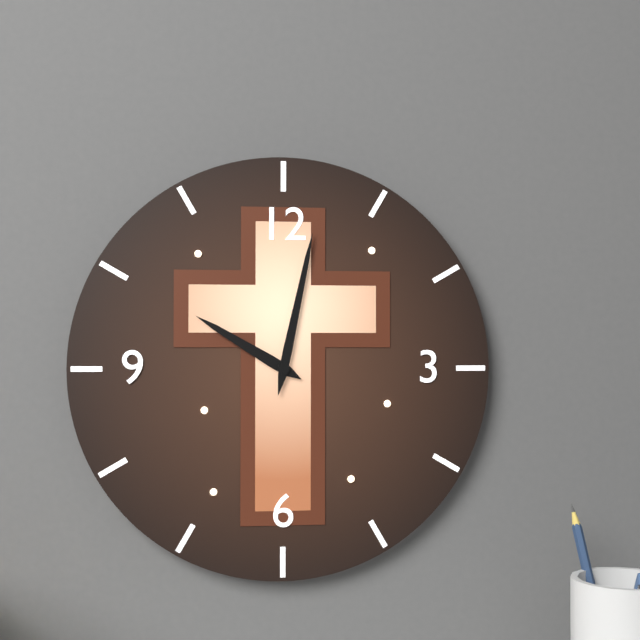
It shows 10h02
